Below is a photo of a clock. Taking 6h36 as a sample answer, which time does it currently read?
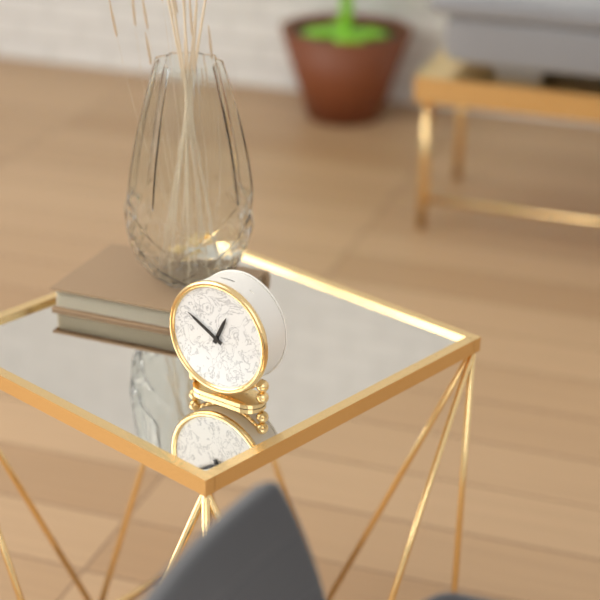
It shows 12h50
